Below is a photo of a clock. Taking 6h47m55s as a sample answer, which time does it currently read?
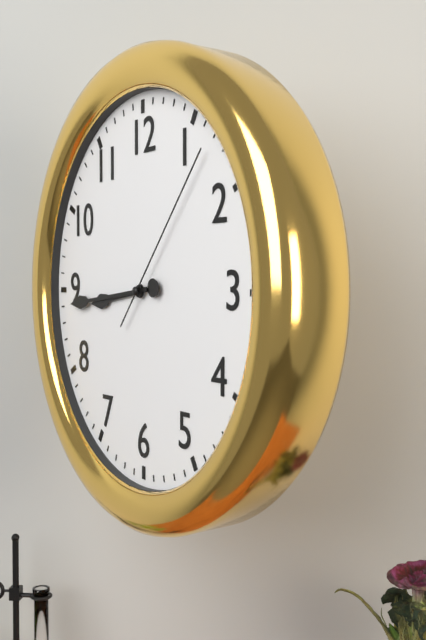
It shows 8h44m07s
